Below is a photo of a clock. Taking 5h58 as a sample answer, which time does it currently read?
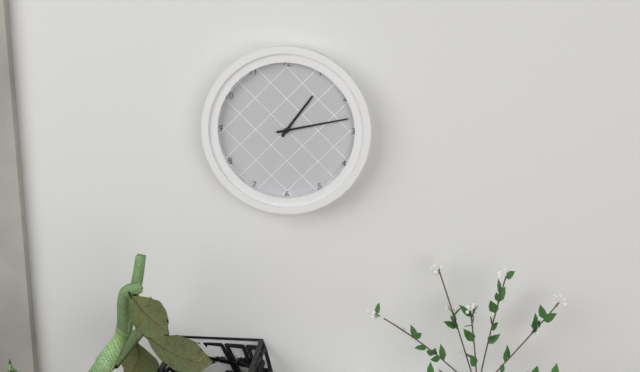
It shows 1h13
